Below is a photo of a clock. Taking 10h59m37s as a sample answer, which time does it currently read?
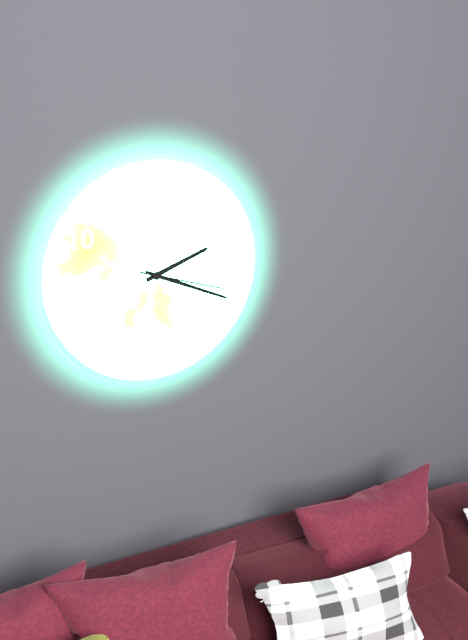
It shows 2h19m18s
